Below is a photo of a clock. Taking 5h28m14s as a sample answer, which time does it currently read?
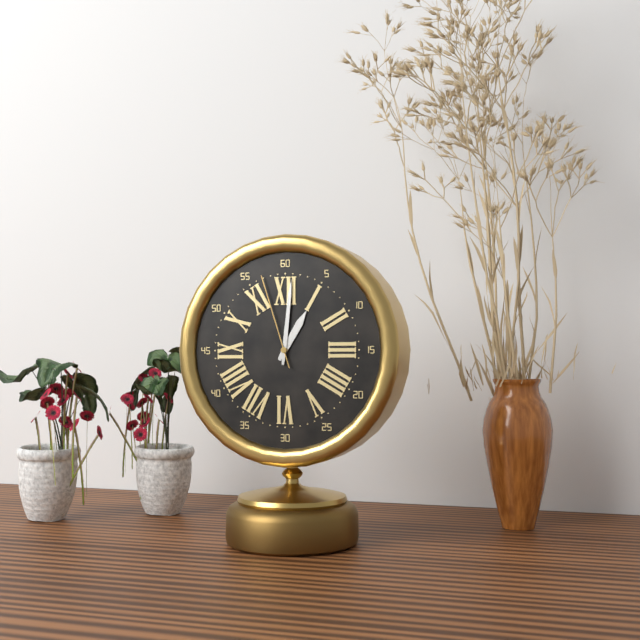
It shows 1h01m57s
